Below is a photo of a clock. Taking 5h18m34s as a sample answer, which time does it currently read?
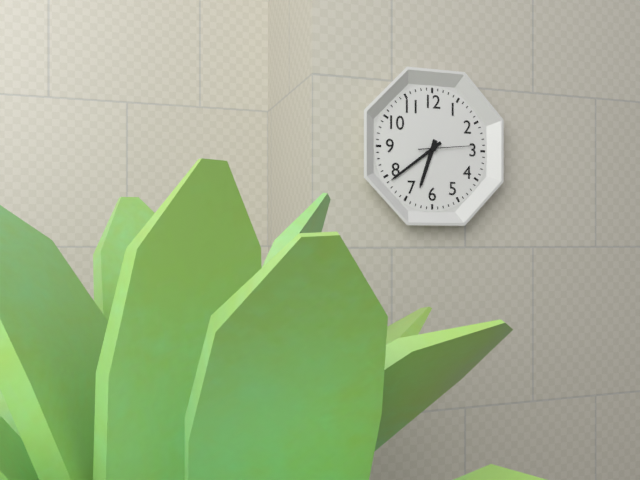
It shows 6h39m14s
